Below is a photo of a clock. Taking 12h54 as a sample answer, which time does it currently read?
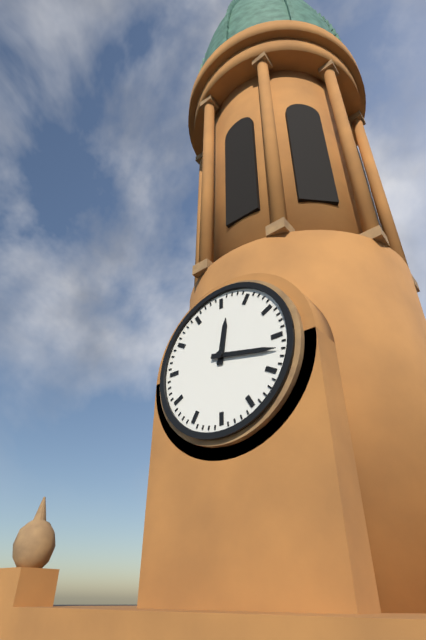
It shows 12h17
